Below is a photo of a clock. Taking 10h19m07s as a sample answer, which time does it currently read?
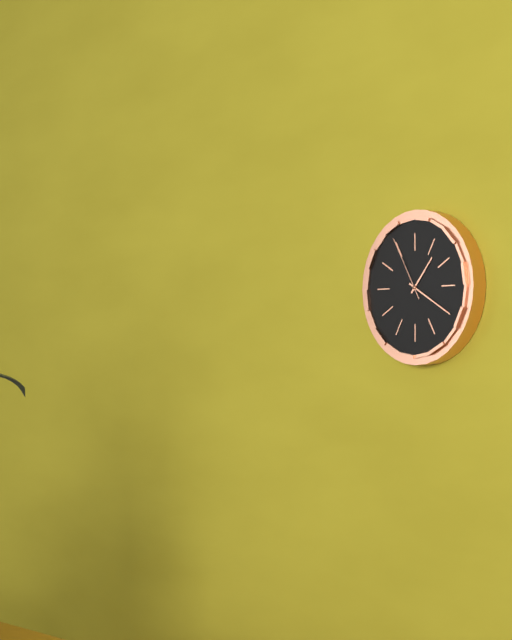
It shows 1h20m55s
